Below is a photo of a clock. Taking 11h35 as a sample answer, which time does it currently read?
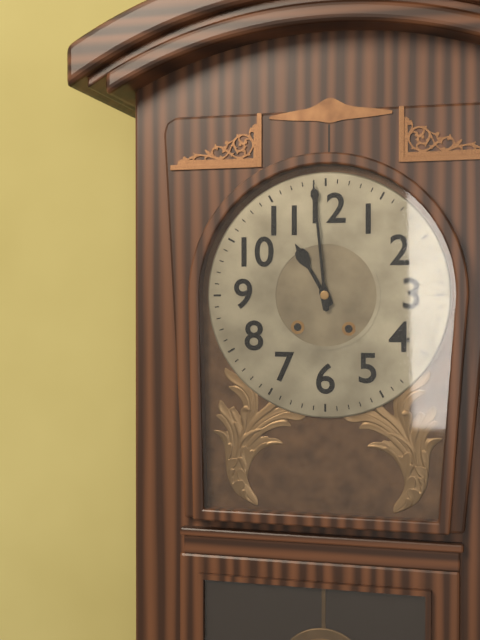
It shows 10h59
